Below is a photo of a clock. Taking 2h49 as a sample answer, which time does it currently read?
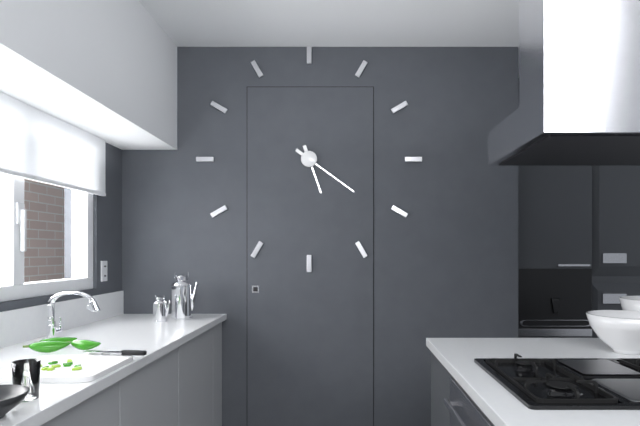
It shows 5h21
